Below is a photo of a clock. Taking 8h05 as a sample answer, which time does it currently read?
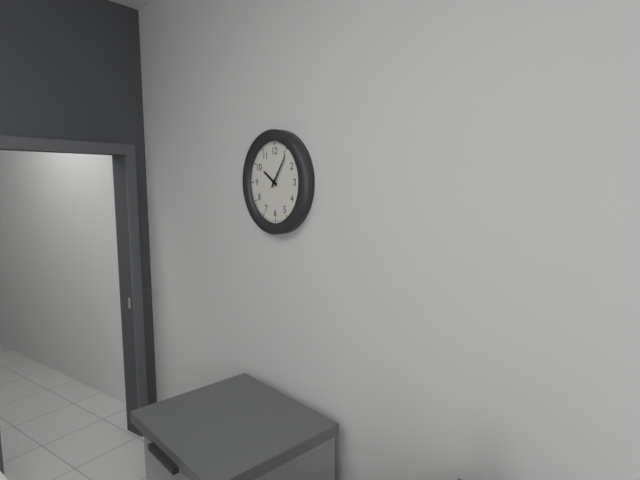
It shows 10h06
